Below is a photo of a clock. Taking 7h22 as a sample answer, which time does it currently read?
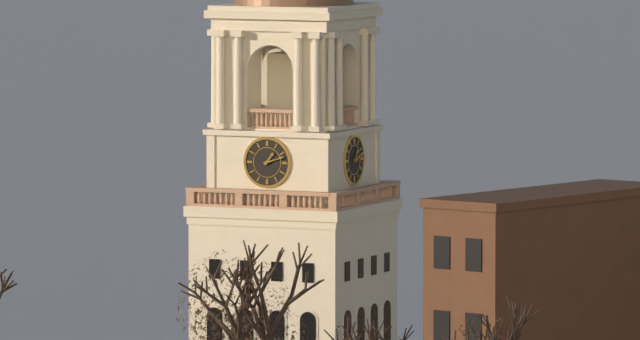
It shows 1h12
